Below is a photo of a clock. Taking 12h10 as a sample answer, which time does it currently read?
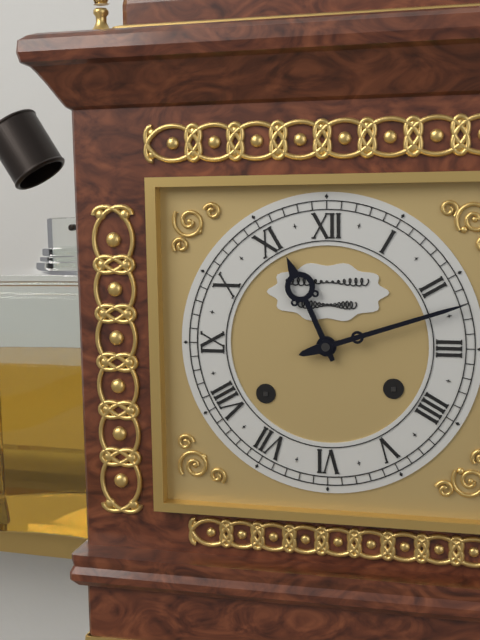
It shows 11h12
